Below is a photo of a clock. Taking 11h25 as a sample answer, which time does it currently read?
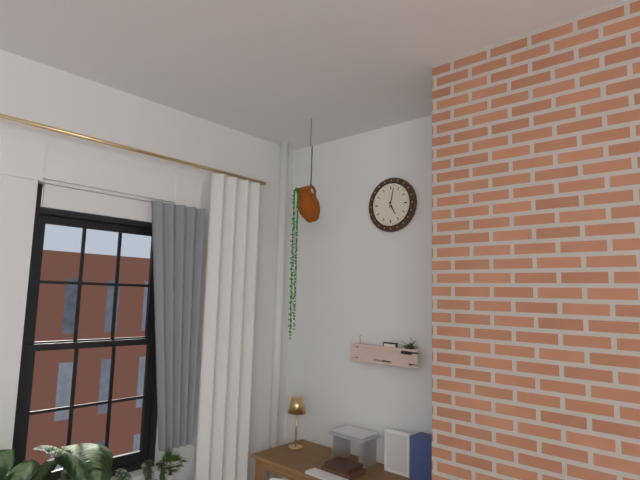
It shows 5h02
